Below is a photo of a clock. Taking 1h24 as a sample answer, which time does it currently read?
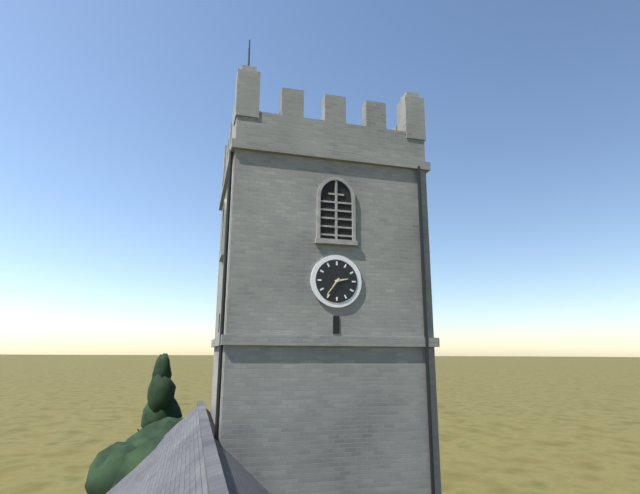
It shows 2h36
